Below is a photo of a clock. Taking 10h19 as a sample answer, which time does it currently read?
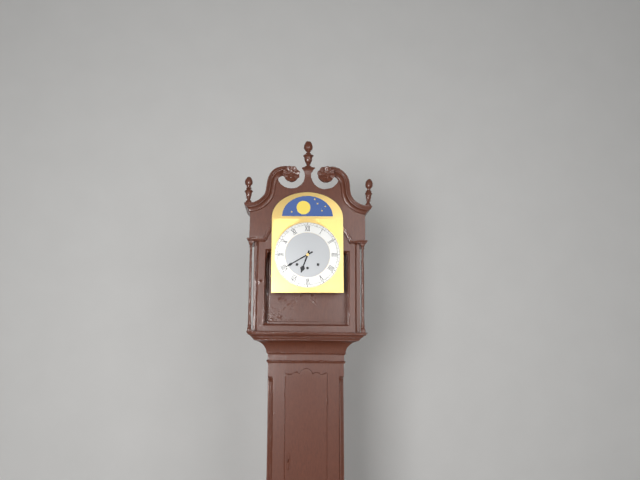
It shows 6h40
